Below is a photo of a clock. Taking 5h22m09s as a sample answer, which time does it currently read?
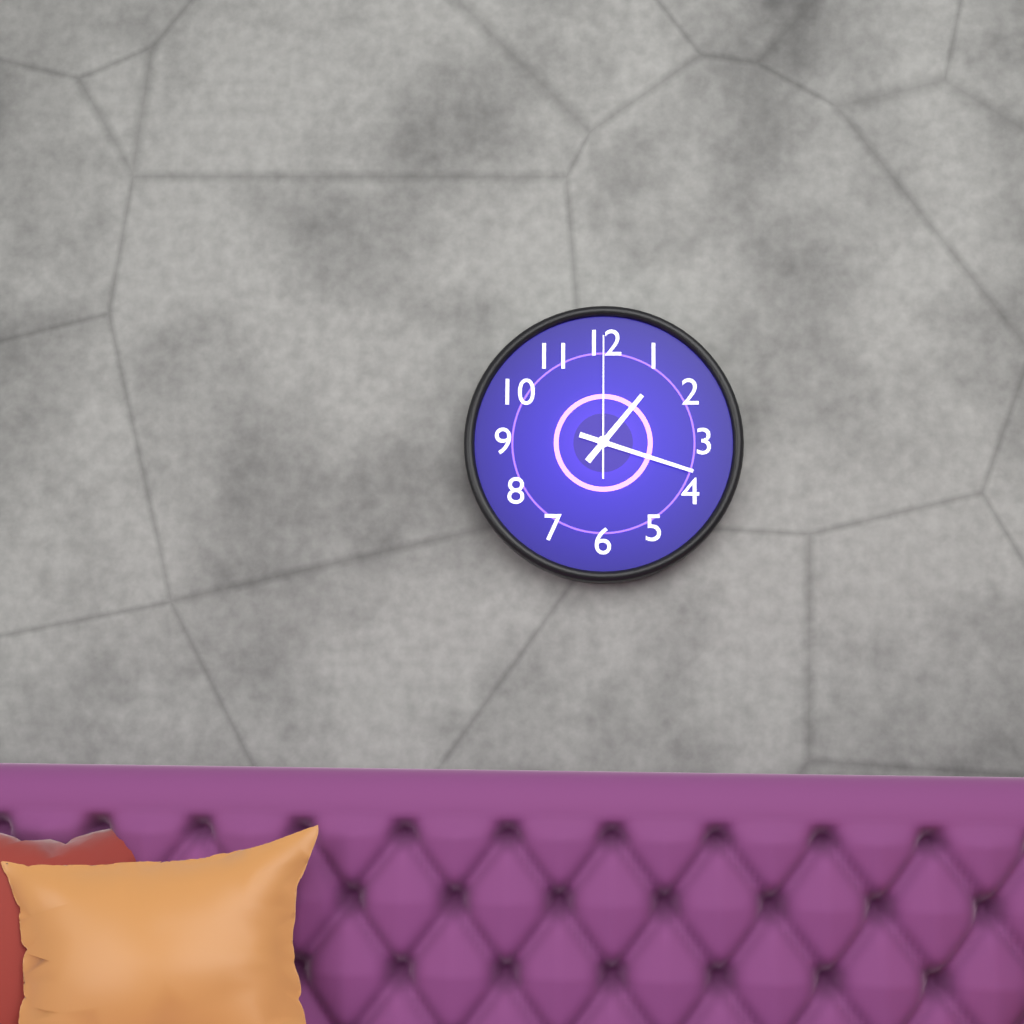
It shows 1h18m00s
